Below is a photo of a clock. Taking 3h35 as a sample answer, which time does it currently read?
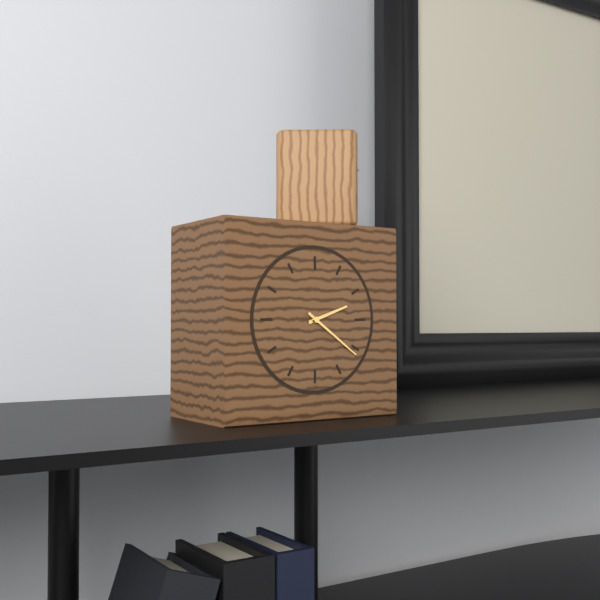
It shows 2h21
